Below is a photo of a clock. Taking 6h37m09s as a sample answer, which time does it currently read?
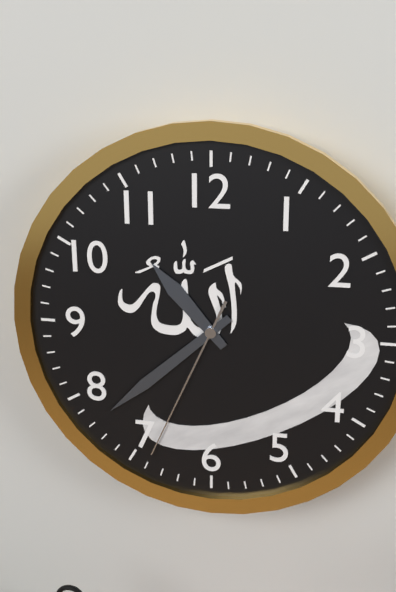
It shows 10h38m34s
